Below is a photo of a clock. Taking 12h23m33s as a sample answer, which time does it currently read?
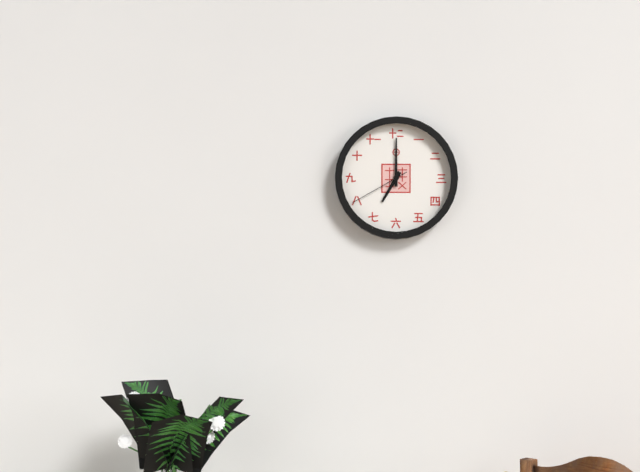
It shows 7h00m40s
